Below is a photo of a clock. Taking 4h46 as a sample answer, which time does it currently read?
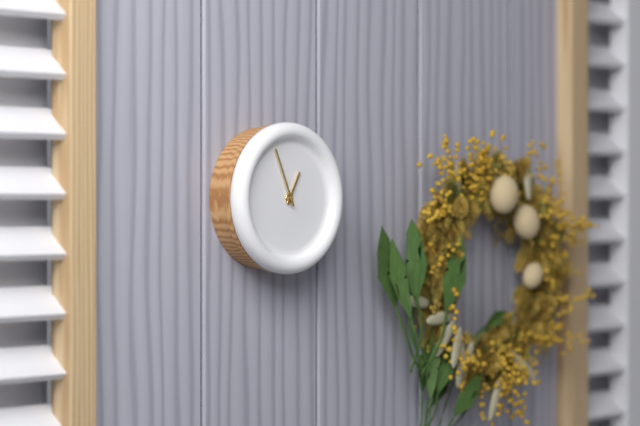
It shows 12h56
